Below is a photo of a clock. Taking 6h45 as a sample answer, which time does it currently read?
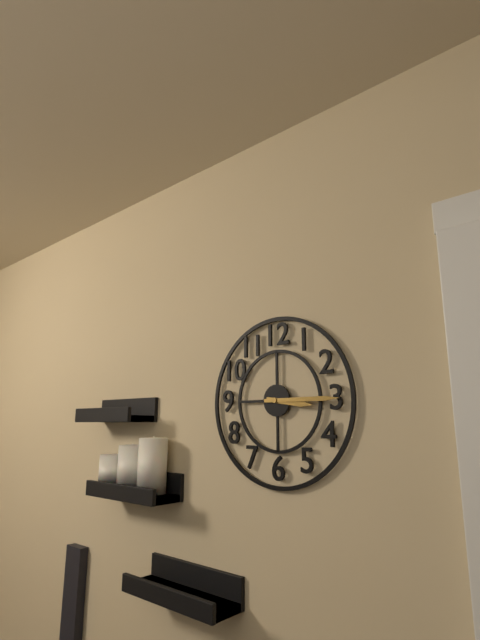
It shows 3h15
